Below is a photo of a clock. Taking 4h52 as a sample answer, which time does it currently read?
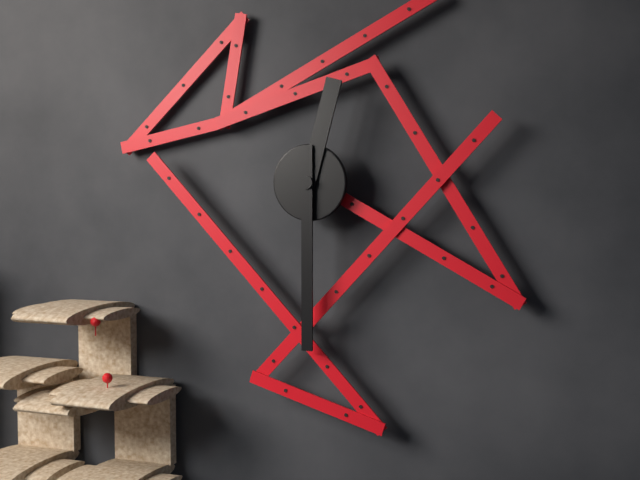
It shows 12h30
